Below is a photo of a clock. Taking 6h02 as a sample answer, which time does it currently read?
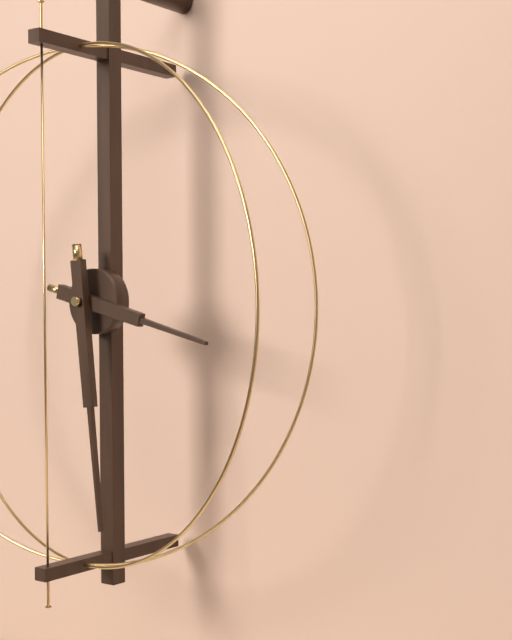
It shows 3h29
